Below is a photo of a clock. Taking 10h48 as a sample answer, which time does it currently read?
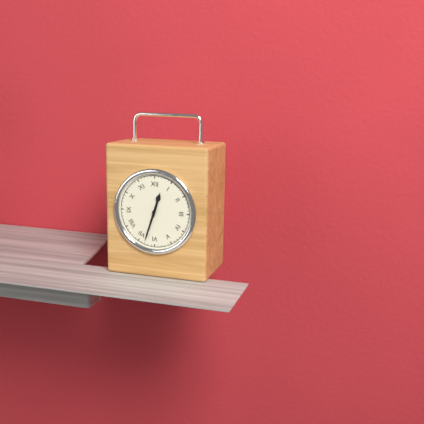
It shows 12h33
